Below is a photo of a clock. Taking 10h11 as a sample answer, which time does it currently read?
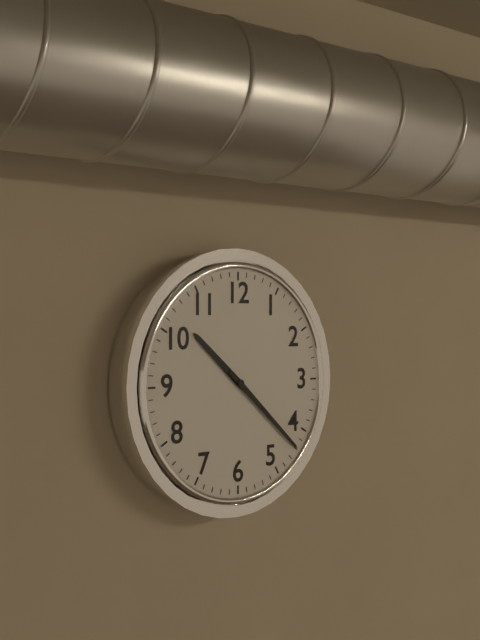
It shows 10h22
